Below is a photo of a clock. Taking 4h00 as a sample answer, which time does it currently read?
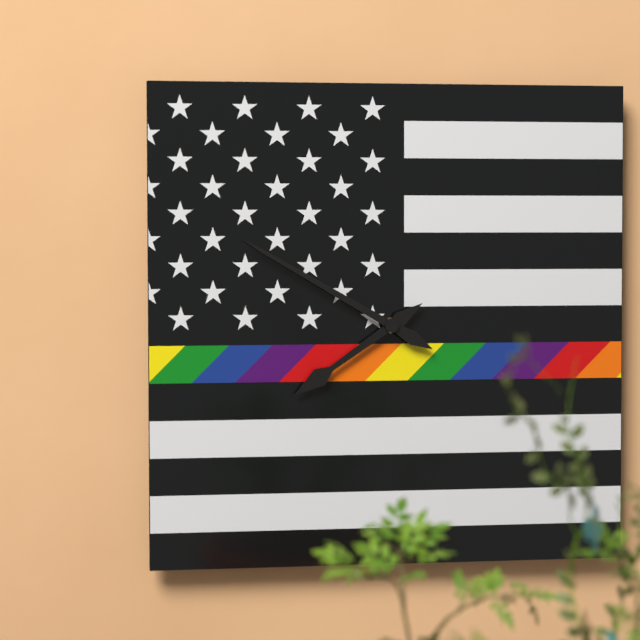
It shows 7h50
